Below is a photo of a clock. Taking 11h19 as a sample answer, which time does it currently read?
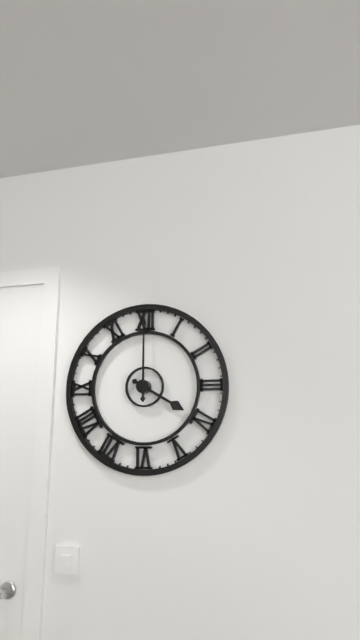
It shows 4h00
